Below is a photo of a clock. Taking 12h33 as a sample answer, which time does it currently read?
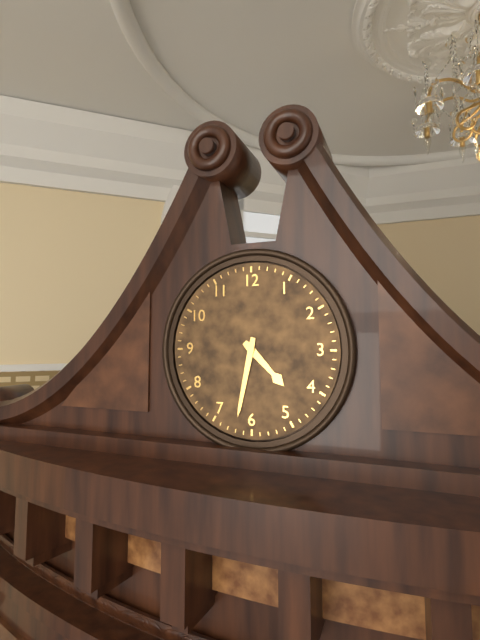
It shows 4h32
